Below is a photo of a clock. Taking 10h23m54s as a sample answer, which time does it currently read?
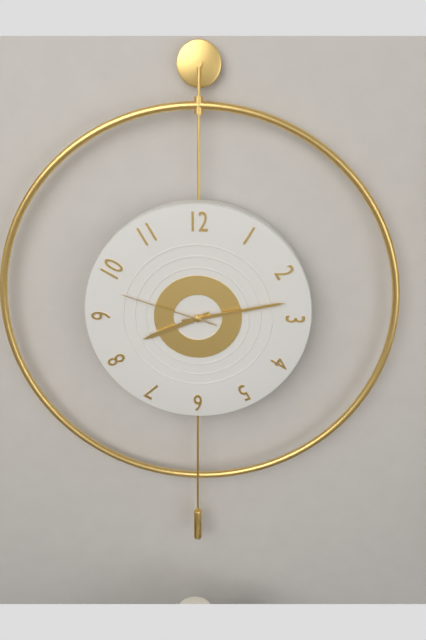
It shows 8h13m48s
